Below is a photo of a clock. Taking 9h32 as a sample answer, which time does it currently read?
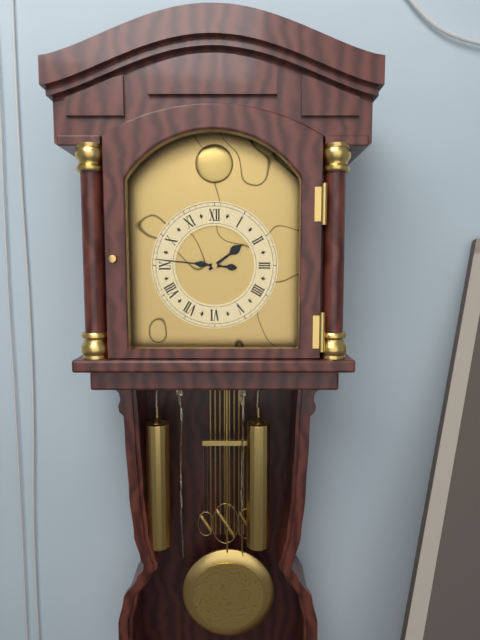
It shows 1h46
